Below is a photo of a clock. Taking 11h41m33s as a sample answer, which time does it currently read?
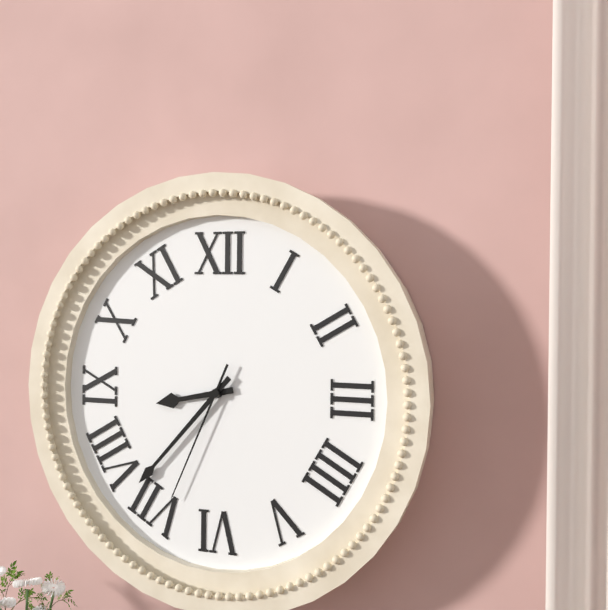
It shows 8h37m34s
